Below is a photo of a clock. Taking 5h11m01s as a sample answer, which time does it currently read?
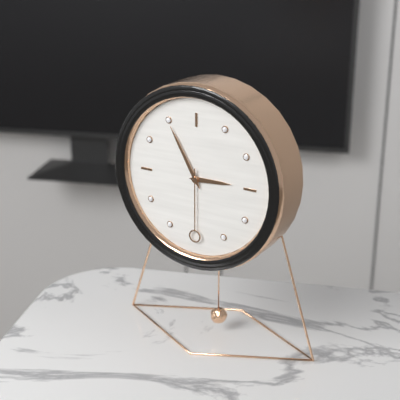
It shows 2h55m30s
